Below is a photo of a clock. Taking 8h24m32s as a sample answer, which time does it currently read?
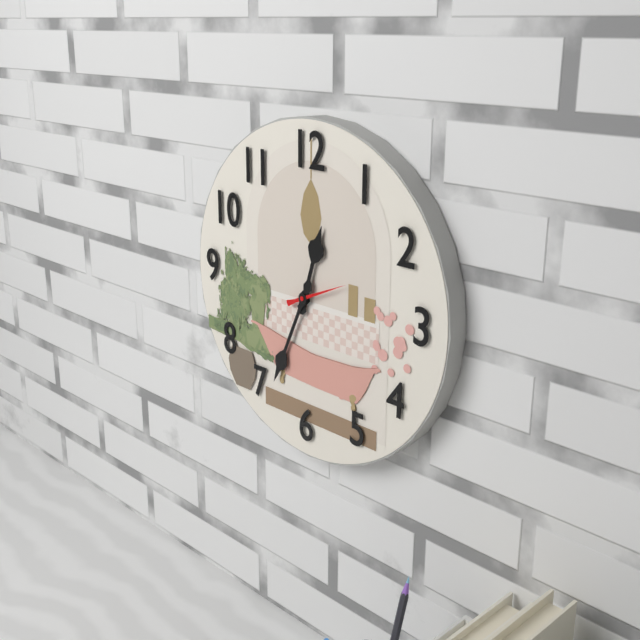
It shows 12h34m11s
